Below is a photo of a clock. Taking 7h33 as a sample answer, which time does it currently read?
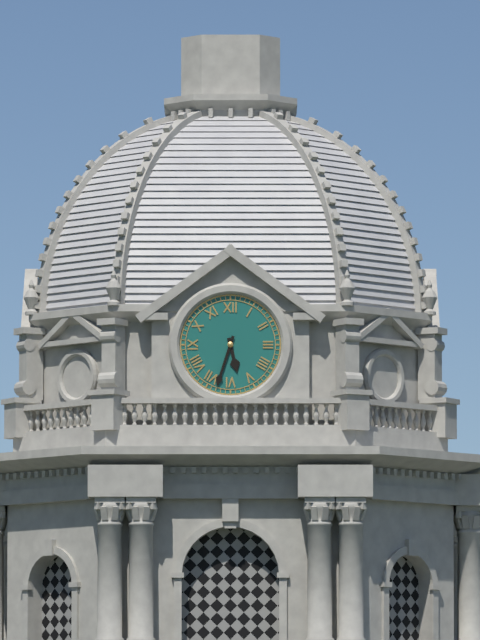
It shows 5h33
